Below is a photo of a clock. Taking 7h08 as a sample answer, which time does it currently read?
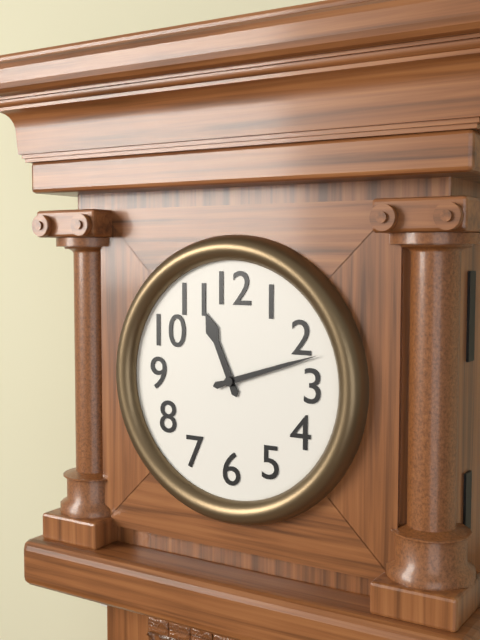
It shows 11h12
